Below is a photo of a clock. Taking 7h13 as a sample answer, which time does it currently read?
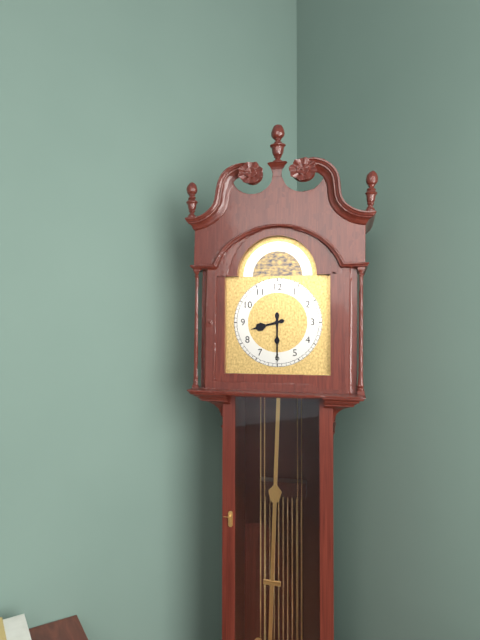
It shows 8h30
